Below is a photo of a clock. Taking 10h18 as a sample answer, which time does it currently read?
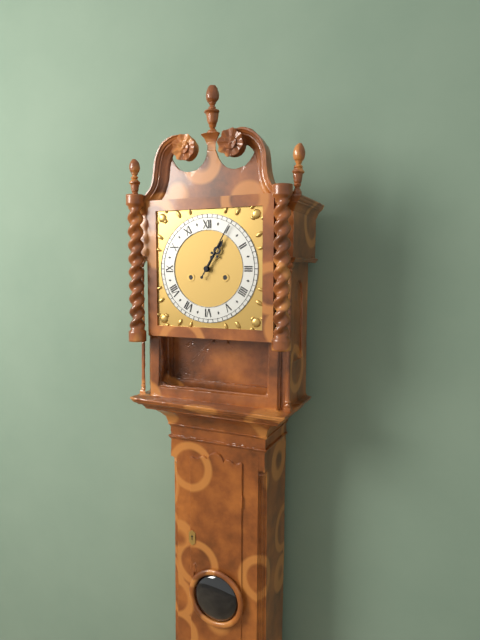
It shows 1h05
